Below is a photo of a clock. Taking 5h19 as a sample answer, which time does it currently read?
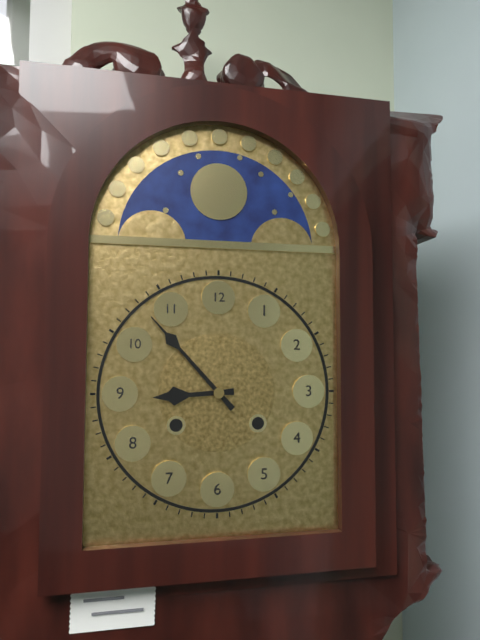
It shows 8h53
